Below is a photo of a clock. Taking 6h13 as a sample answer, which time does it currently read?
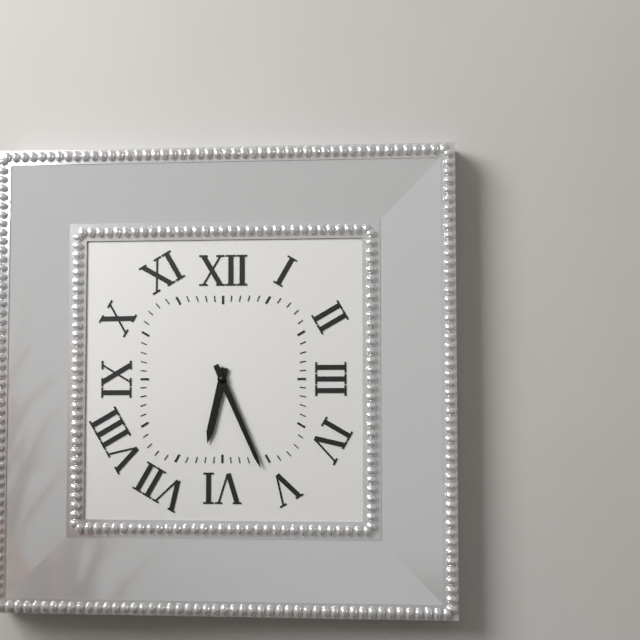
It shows 6h26
